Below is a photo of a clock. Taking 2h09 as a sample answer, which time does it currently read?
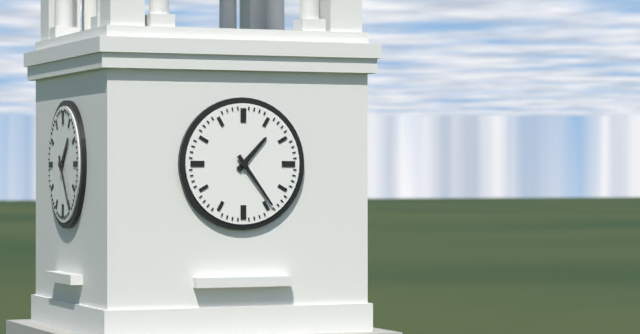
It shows 1h24
